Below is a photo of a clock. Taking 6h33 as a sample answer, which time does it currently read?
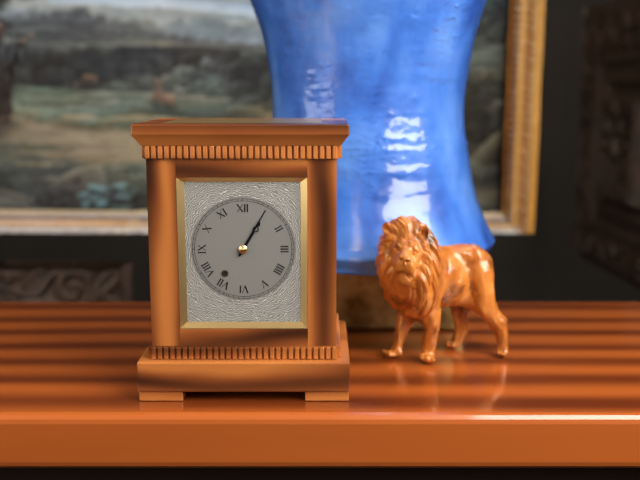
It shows 1h05
